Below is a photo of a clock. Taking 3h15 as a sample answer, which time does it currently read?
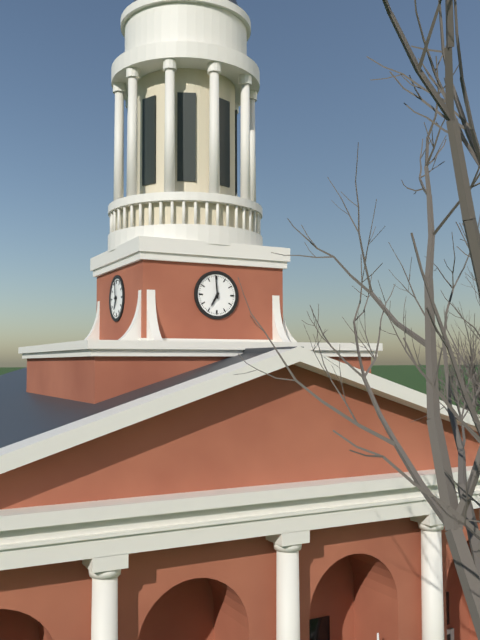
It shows 6h59
